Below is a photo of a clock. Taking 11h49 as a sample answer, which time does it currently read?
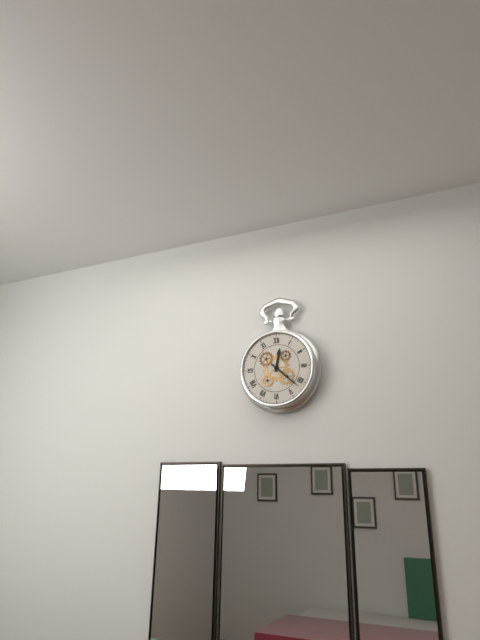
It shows 12h22
